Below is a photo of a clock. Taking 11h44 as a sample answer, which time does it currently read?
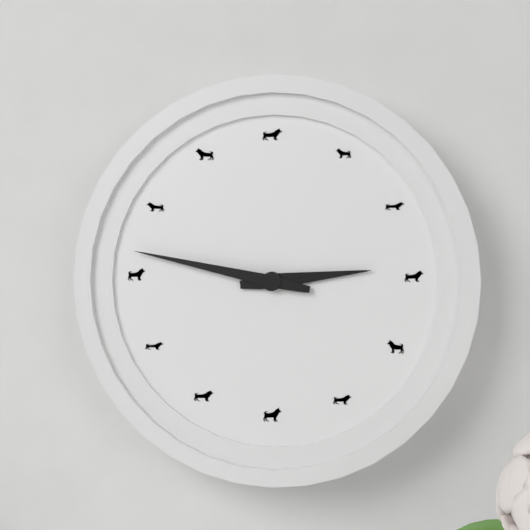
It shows 2h47
